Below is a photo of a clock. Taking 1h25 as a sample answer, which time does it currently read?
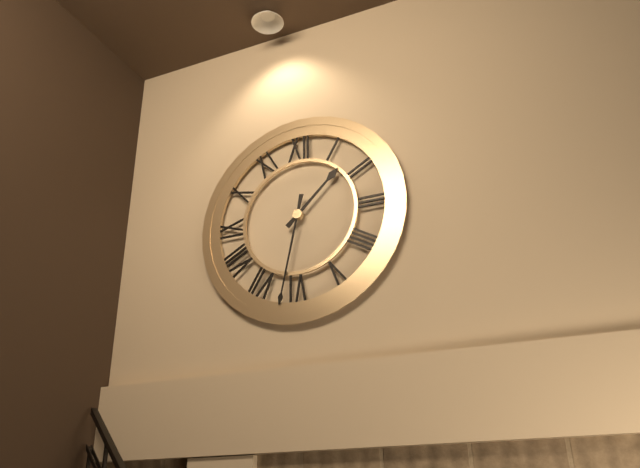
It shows 1h32
